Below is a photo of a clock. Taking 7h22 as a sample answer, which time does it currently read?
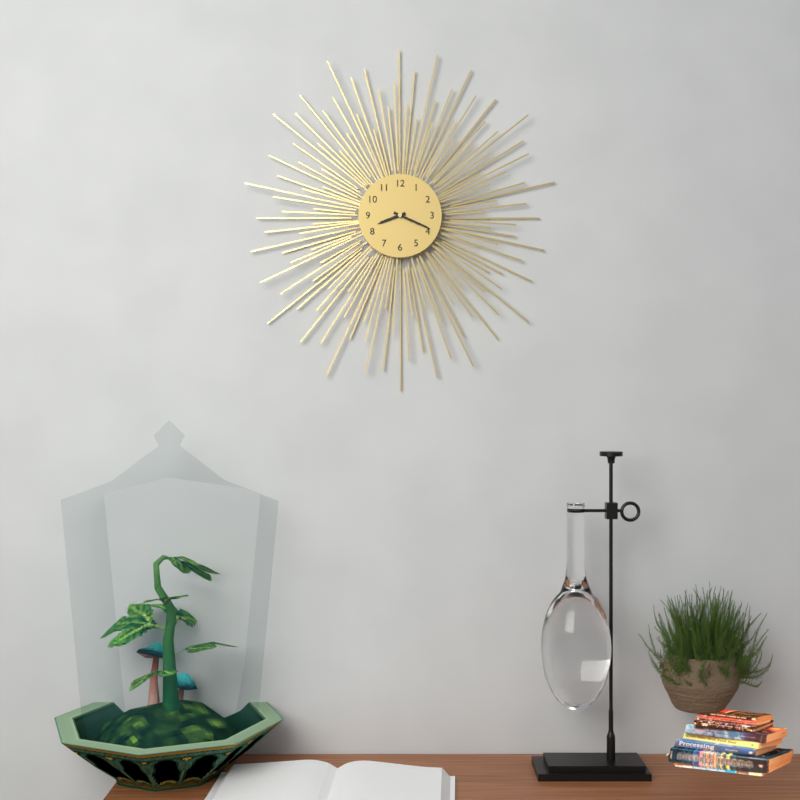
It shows 8h19
